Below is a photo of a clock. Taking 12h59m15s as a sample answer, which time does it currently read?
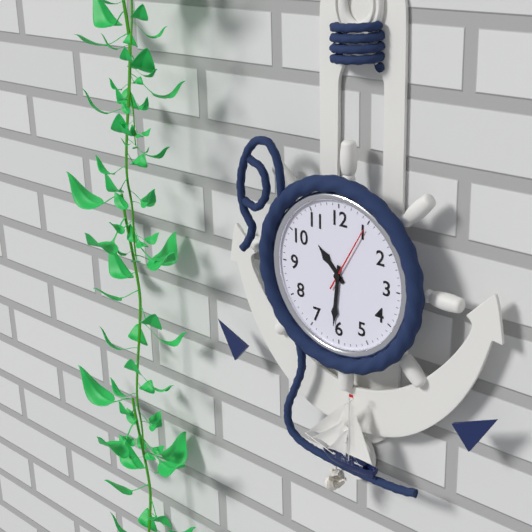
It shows 10h31m05s
